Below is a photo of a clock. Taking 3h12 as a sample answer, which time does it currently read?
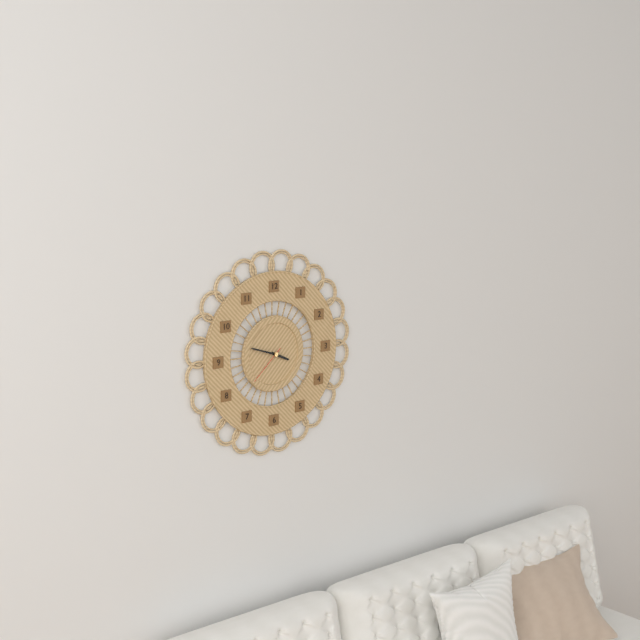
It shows 3h48
